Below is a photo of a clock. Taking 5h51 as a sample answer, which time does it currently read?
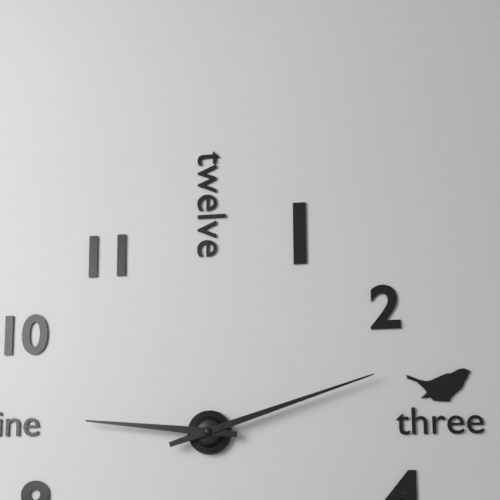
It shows 9h12
